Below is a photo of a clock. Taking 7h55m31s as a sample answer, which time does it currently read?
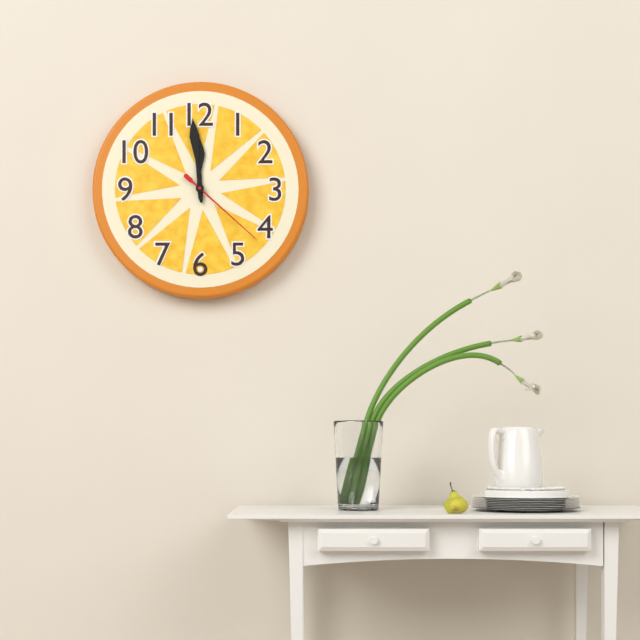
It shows 11h59m22s
